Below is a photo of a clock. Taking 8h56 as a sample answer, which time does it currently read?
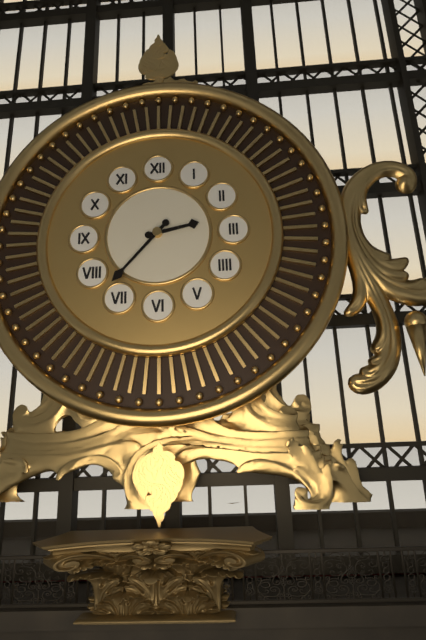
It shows 2h37
